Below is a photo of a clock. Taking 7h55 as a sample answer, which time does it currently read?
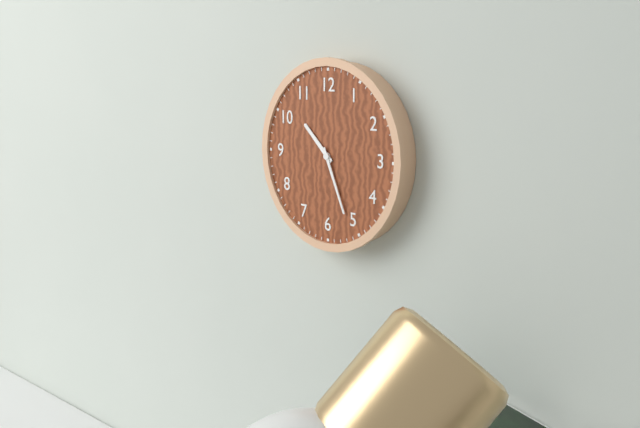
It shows 10h26
